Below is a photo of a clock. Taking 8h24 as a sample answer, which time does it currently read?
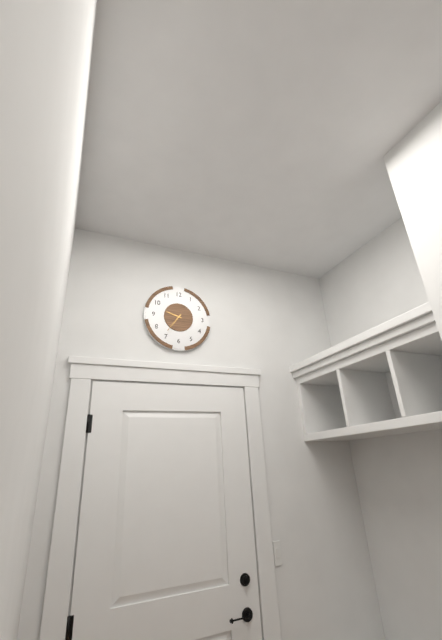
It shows 9h36
